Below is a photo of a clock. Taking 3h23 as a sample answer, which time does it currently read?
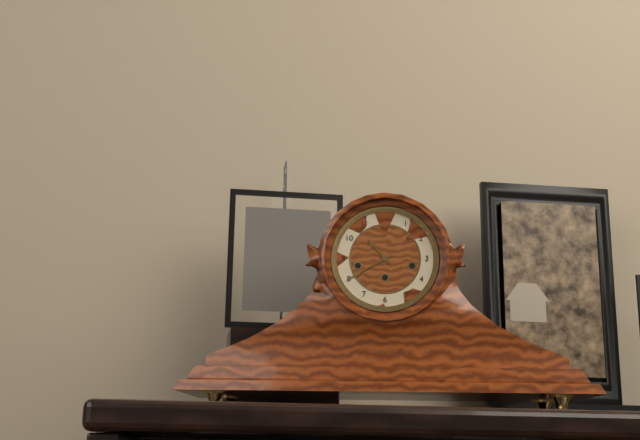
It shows 10h40
